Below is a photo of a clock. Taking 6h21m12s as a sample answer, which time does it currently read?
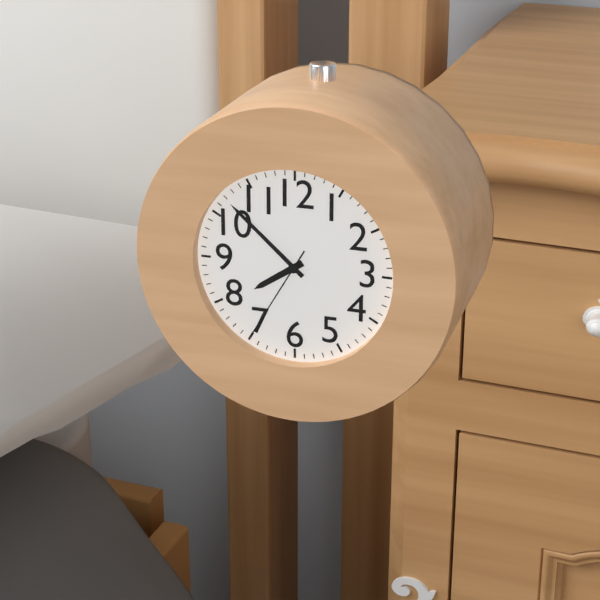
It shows 7h52m35s
